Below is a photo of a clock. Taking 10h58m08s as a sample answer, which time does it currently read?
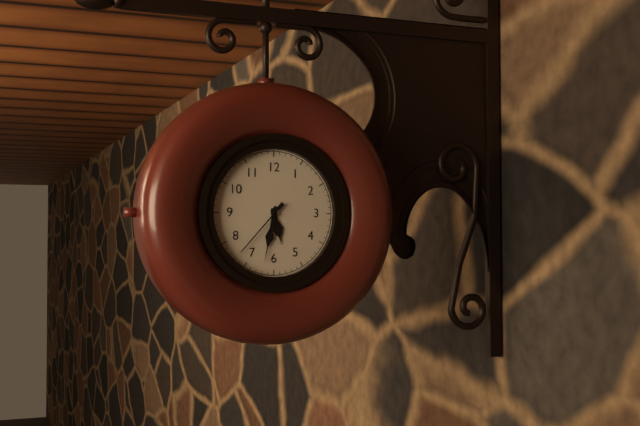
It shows 5h32m37s
